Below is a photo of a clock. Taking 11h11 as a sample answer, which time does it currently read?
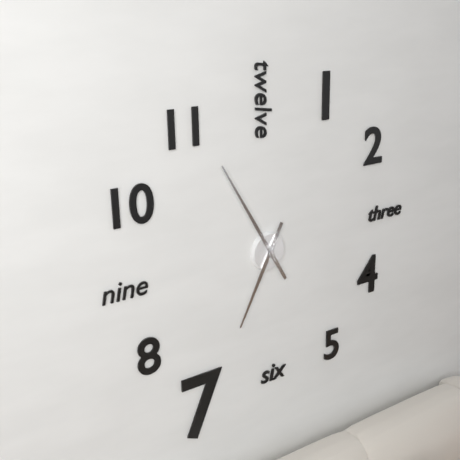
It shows 6h55
